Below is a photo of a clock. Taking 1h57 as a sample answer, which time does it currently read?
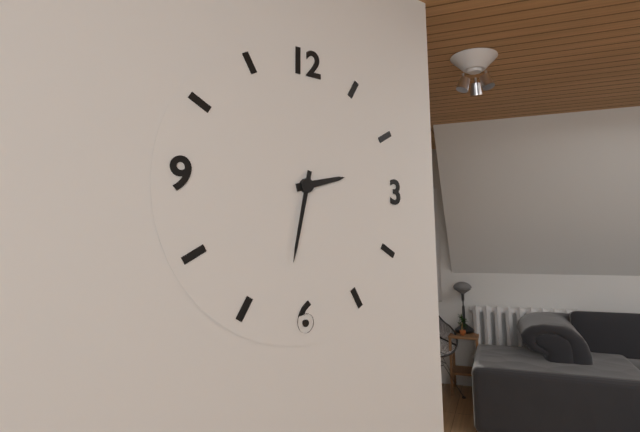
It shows 2h32
